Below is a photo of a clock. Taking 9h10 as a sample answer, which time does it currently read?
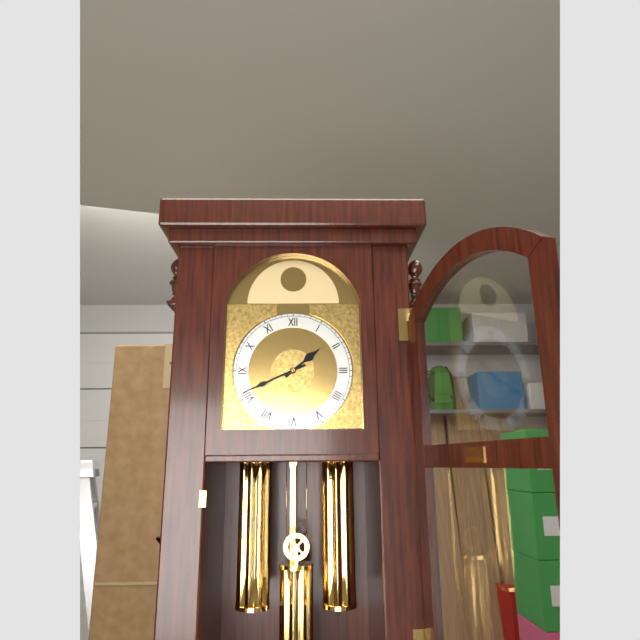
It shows 1h41
